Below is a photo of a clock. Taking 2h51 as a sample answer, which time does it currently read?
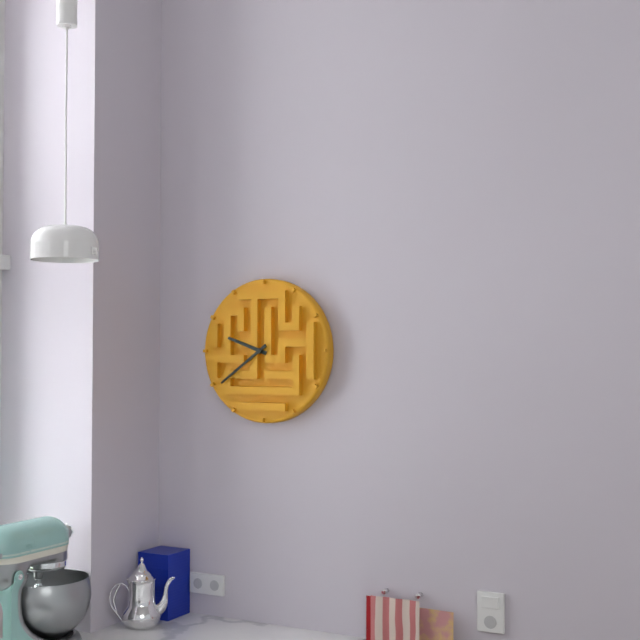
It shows 9h39
